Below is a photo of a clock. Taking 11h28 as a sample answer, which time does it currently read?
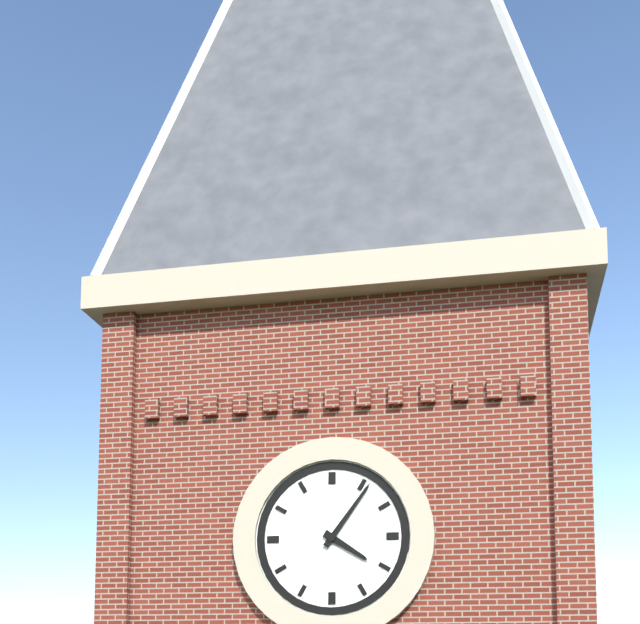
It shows 4h06
